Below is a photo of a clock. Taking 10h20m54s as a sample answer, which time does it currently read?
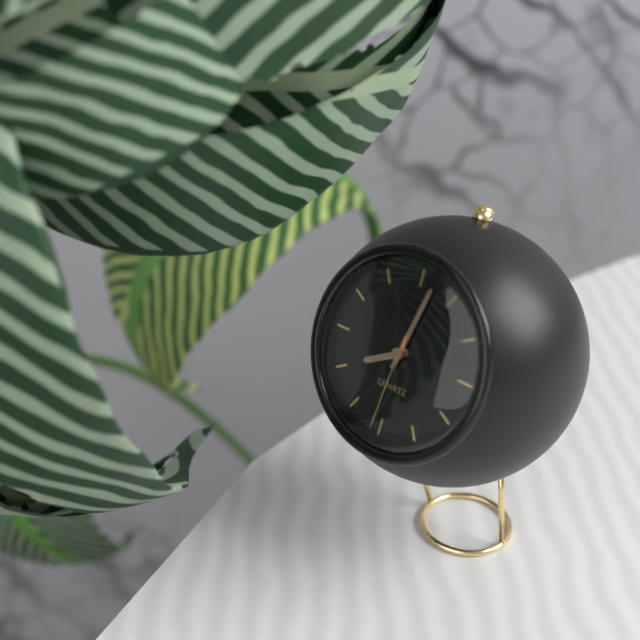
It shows 8h02m31s
